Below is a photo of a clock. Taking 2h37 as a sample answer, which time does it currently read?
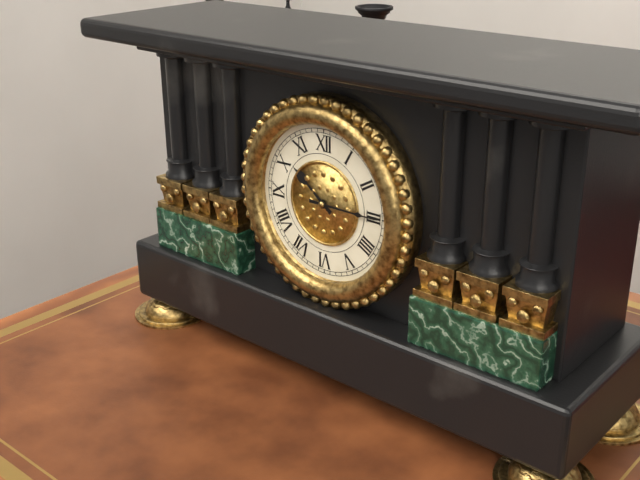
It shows 10h15
